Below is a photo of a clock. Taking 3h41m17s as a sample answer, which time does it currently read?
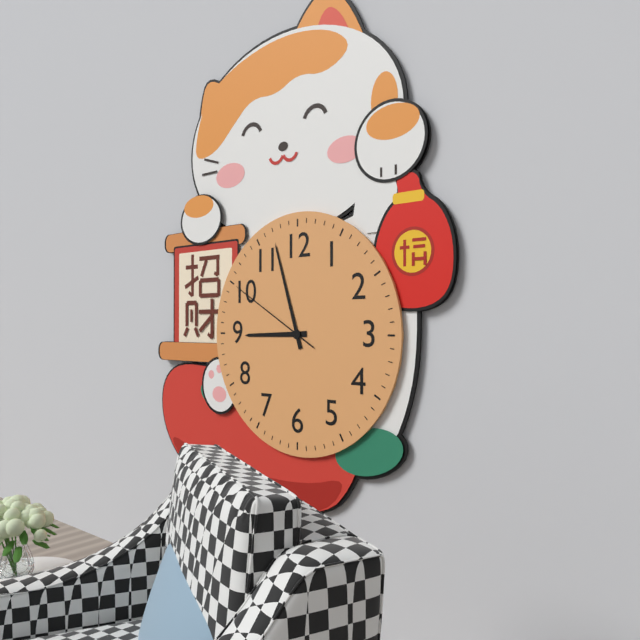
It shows 8h57m50s
